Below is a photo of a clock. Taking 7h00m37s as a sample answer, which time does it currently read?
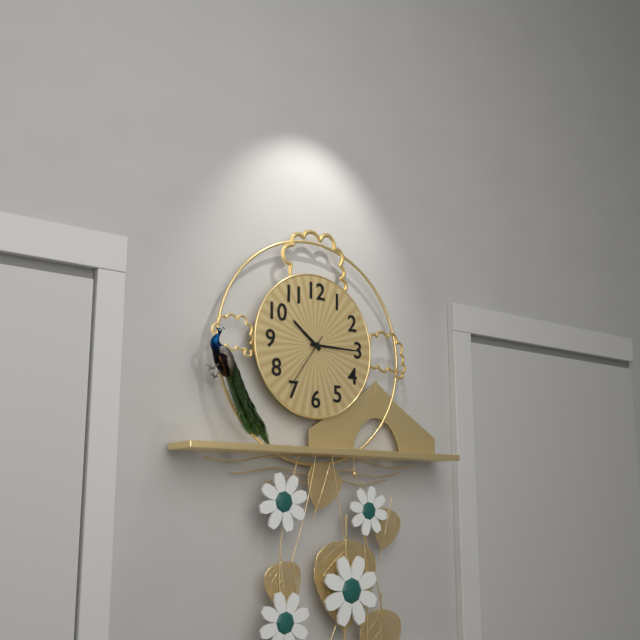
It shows 10h15m36s
